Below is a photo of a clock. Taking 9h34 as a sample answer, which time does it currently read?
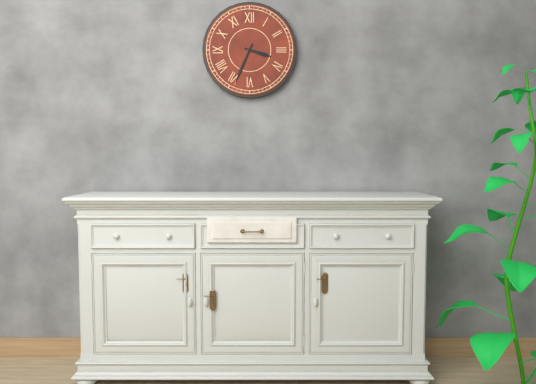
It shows 3h34
